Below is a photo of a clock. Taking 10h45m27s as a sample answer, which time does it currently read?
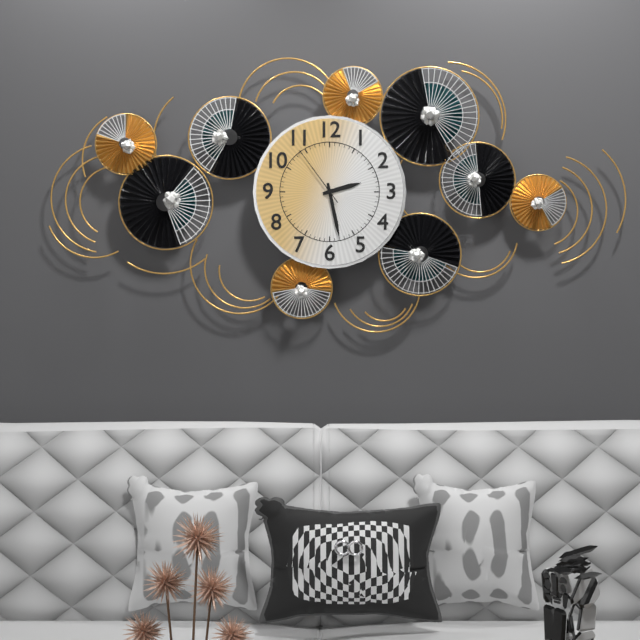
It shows 2h28m54s
